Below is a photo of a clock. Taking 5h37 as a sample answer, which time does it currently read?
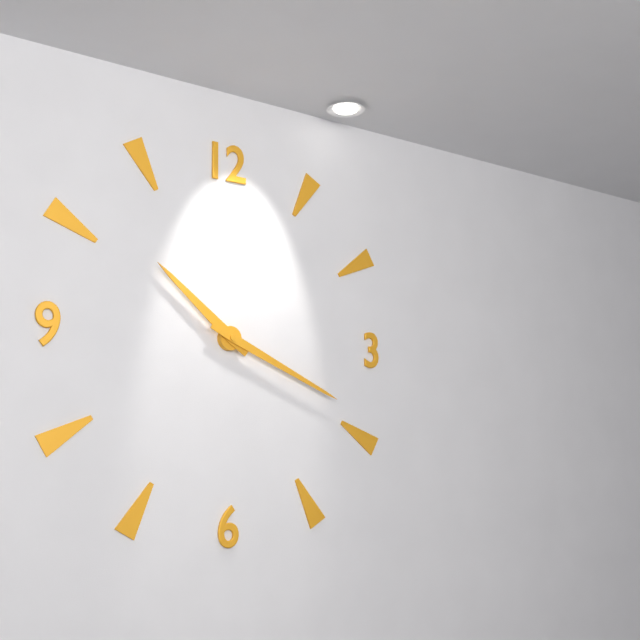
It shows 10h19
